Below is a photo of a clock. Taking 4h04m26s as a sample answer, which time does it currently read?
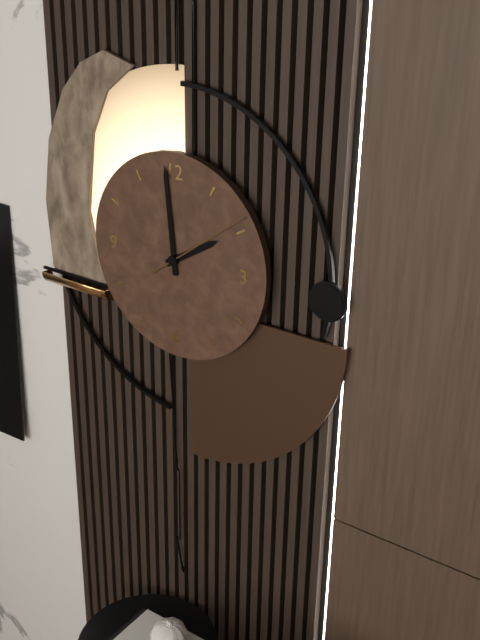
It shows 1h59m09s
